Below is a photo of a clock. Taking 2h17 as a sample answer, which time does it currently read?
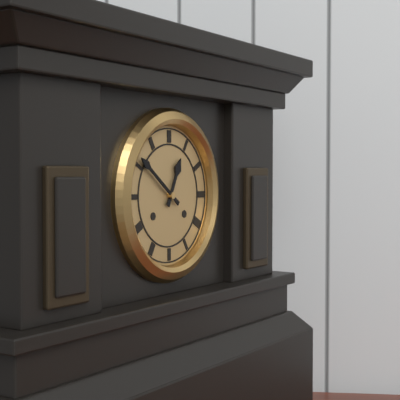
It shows 12h51
